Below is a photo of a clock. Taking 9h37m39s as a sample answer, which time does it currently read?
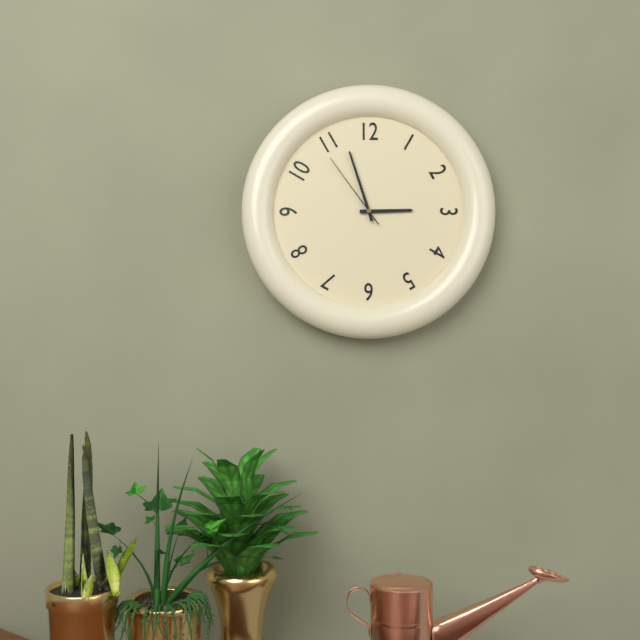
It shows 2h57m54s
